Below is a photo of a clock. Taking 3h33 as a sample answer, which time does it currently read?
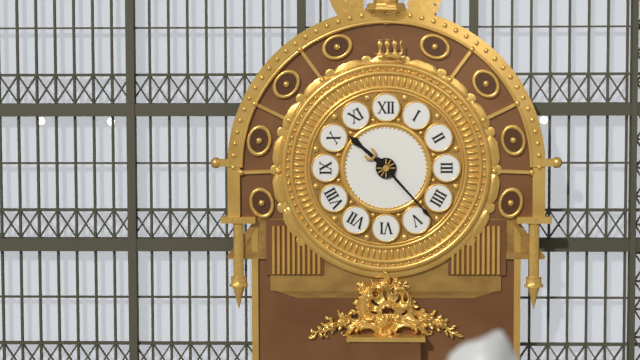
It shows 10h23
